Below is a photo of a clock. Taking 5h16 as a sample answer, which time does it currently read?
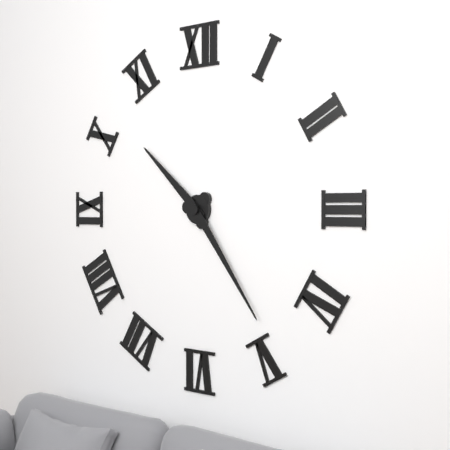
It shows 10h24
